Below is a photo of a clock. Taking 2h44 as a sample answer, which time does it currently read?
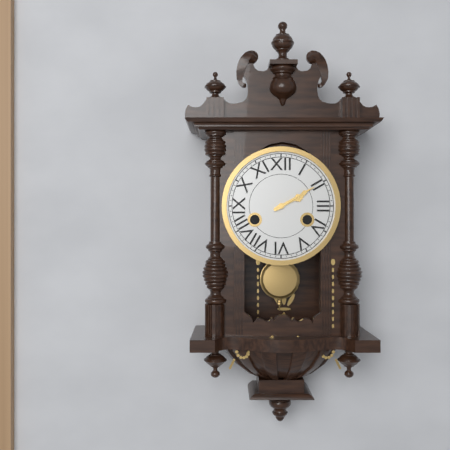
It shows 2h10
